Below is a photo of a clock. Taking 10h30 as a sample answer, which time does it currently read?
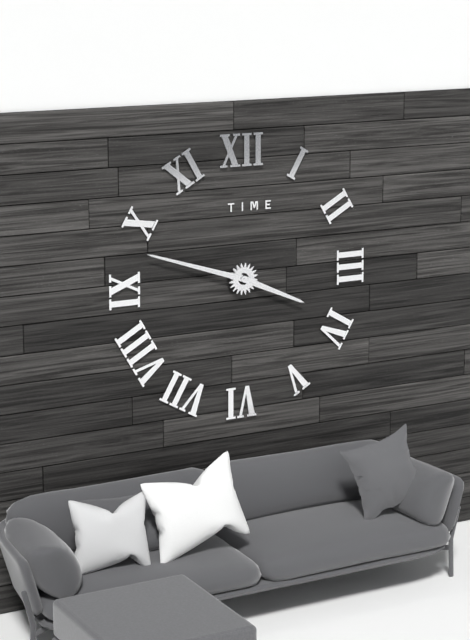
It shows 3h48
